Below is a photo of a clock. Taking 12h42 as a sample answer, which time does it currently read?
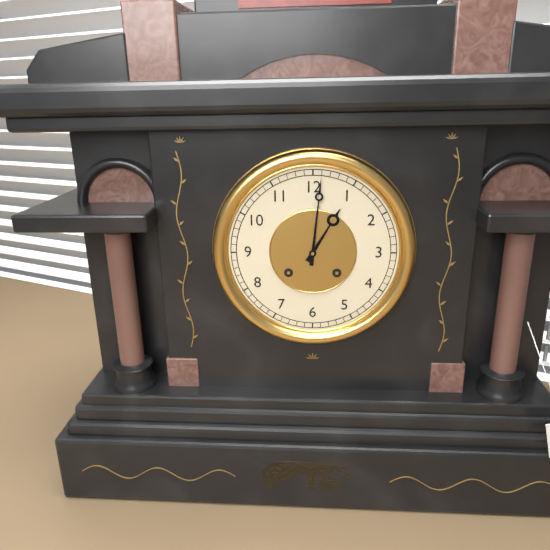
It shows 1h01
